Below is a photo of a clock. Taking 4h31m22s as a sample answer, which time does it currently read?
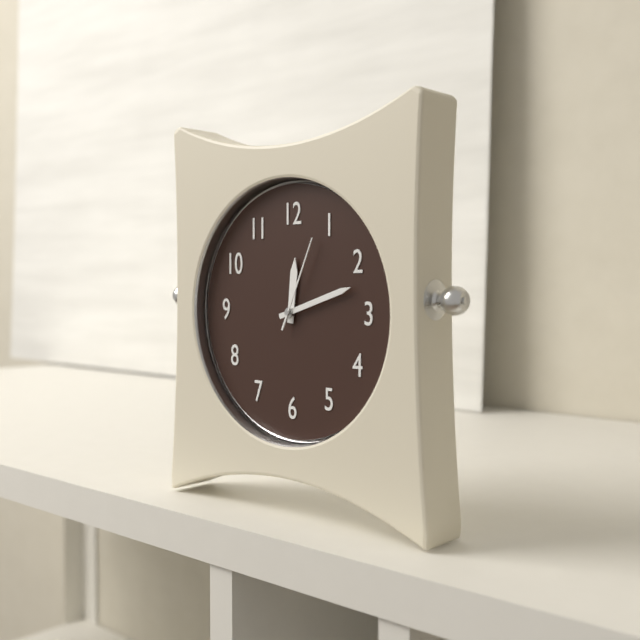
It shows 12h12m04s
